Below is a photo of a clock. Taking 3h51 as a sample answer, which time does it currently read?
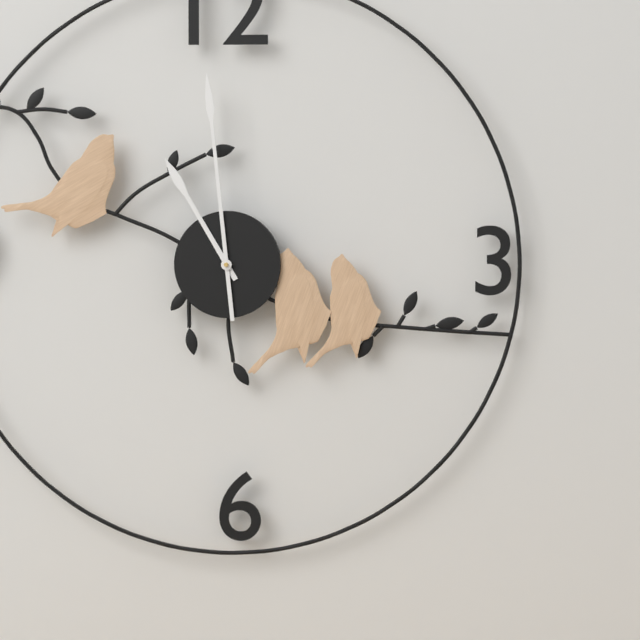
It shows 10h59
